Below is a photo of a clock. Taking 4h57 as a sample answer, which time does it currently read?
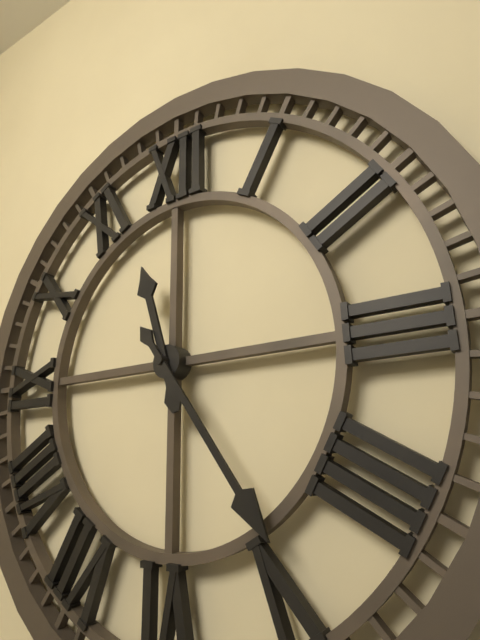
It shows 11h24
